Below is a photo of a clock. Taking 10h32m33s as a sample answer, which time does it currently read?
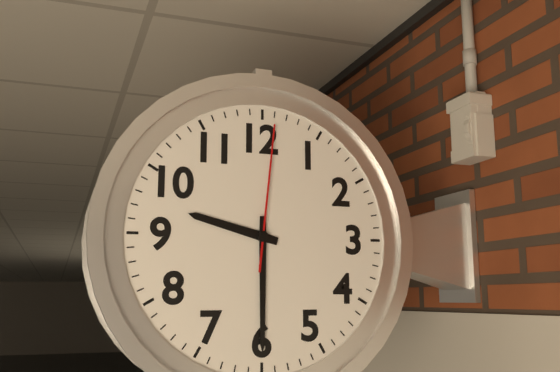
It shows 9h30m01s
